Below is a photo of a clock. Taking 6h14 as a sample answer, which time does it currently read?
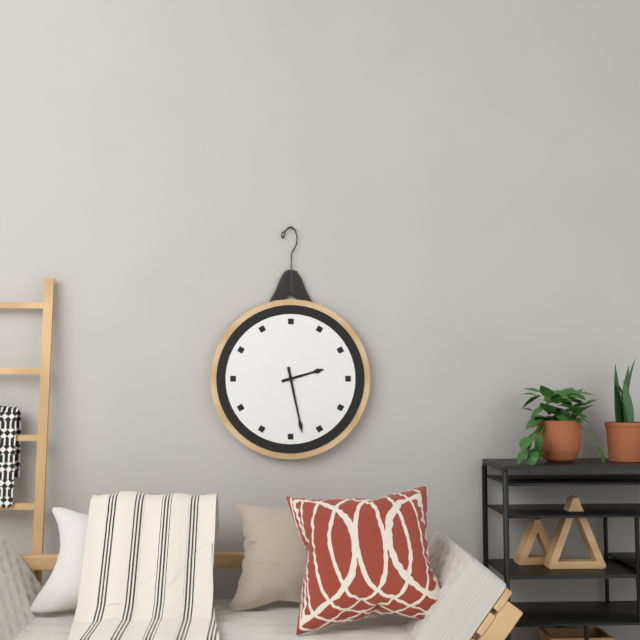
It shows 2h28
